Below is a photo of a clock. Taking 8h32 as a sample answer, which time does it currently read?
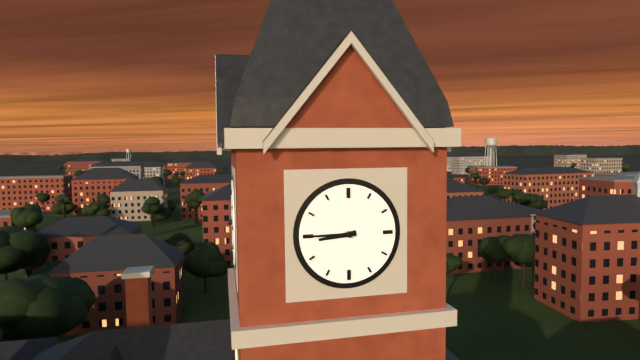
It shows 8h45
